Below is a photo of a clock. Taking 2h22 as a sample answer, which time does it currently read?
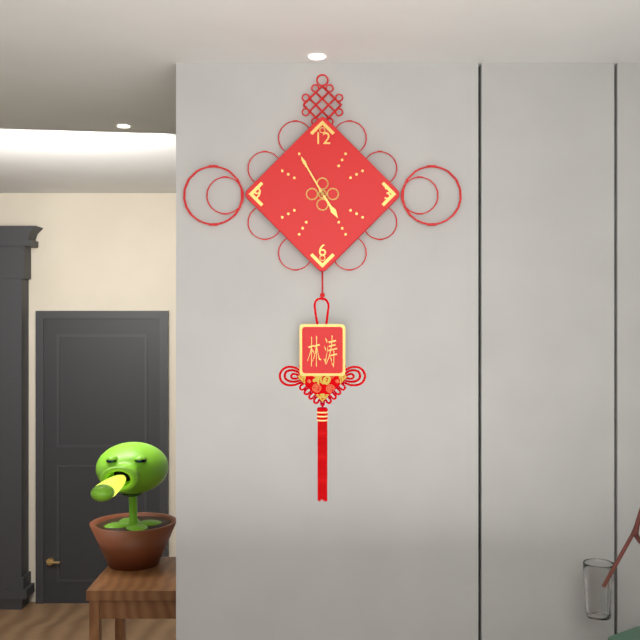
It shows 4h55
